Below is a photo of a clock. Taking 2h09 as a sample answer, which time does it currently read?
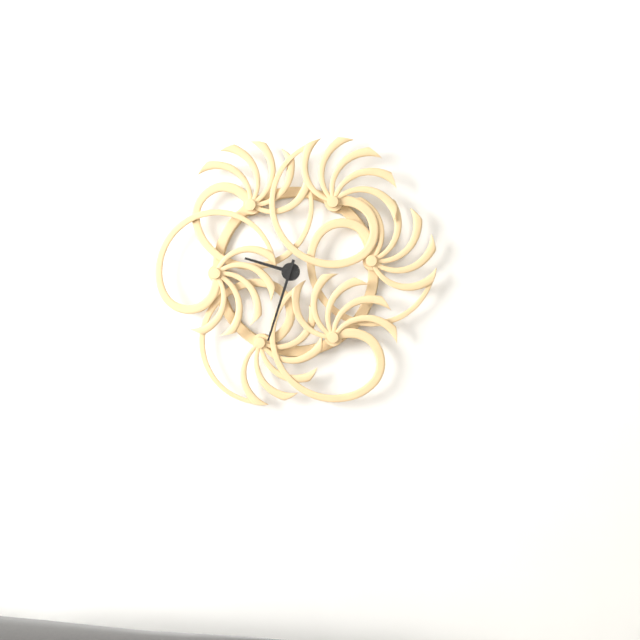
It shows 9h33
